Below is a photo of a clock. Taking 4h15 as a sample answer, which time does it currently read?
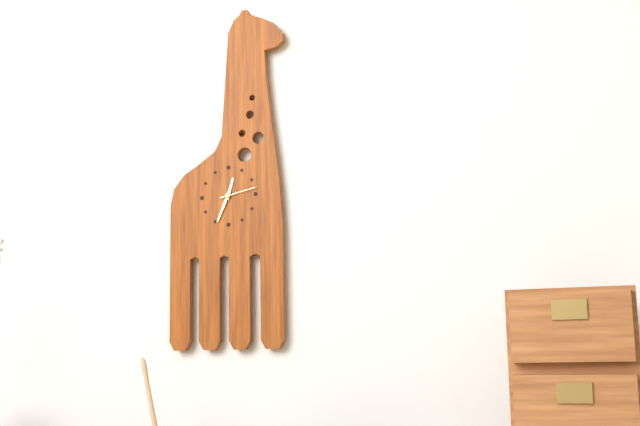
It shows 12h34
